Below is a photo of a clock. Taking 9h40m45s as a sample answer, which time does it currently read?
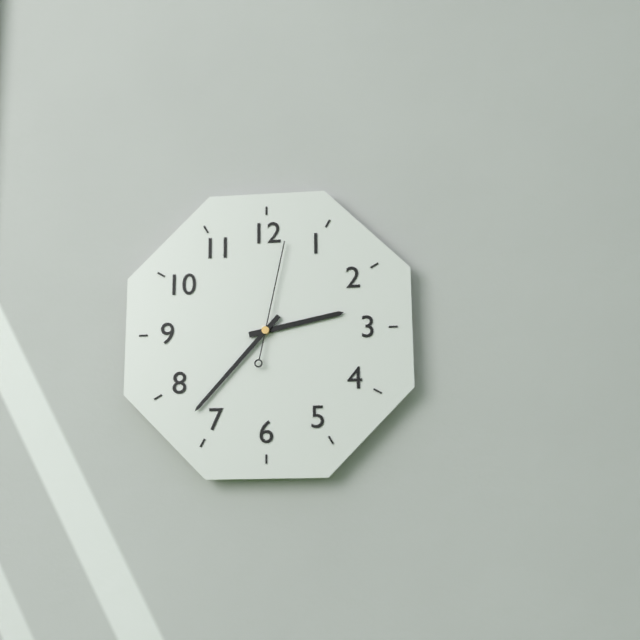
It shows 2h37m02s
